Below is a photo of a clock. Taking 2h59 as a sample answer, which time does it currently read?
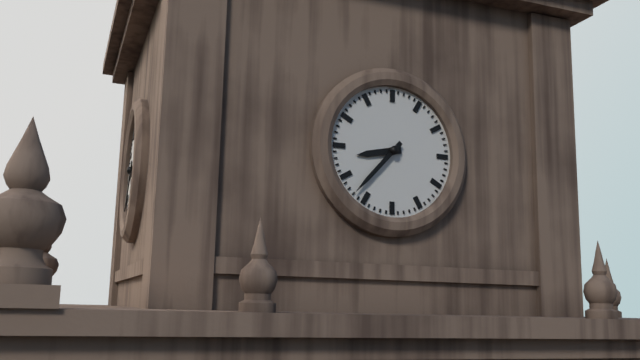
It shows 8h37
